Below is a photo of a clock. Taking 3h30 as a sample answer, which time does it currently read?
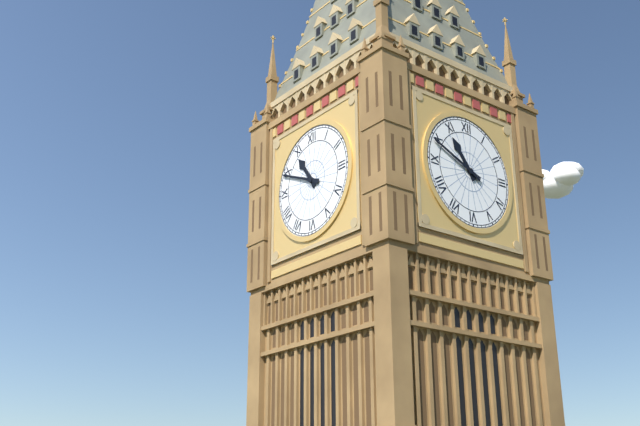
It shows 10h49
